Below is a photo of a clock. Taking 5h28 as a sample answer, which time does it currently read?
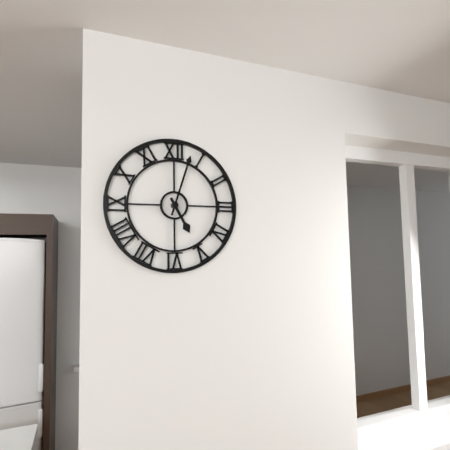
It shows 5h03
